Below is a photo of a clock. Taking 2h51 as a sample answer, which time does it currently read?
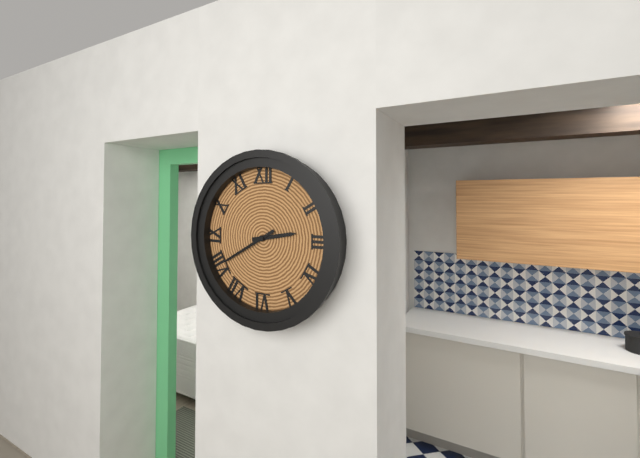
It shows 2h40
